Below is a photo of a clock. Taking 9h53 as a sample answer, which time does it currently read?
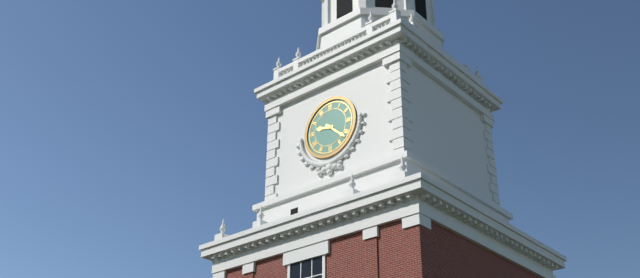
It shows 9h22
